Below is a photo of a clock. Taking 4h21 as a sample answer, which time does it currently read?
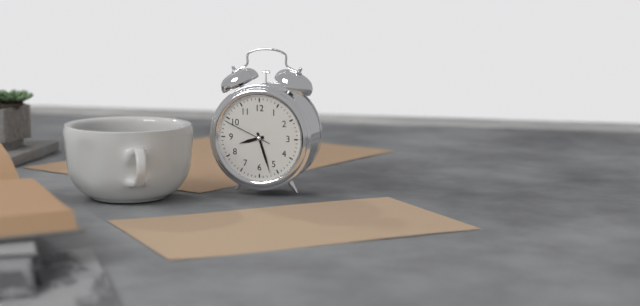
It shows 8h27
